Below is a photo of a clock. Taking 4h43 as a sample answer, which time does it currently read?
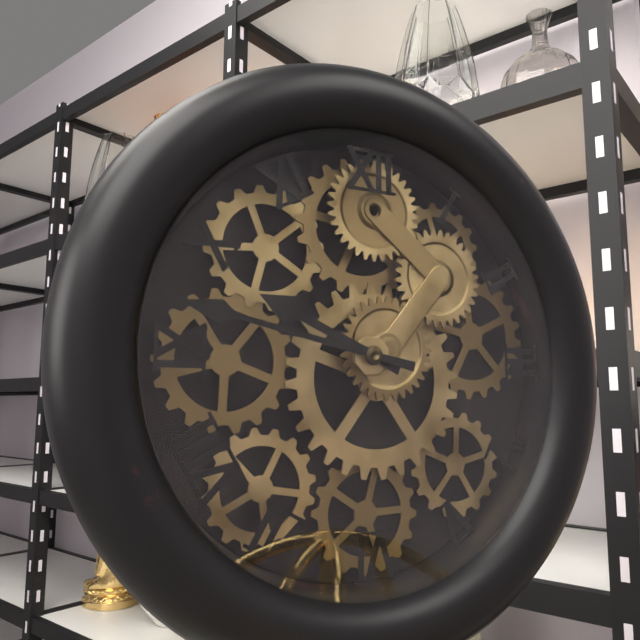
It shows 9h47
